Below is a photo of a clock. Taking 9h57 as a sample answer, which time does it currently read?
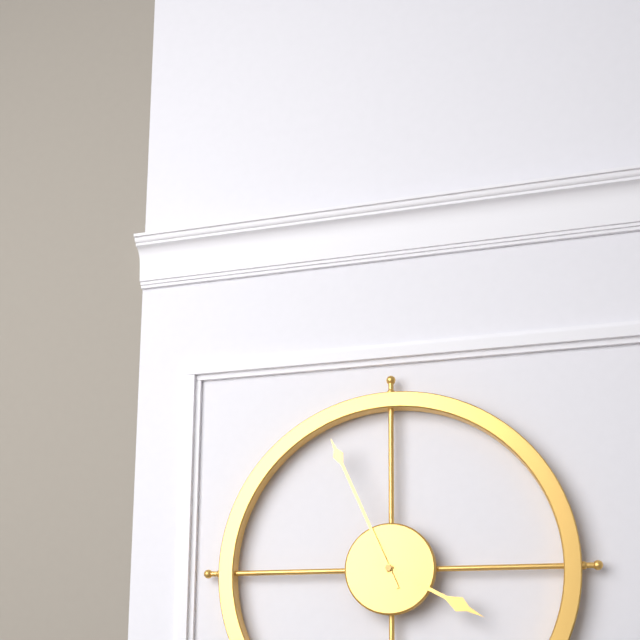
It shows 3h56
